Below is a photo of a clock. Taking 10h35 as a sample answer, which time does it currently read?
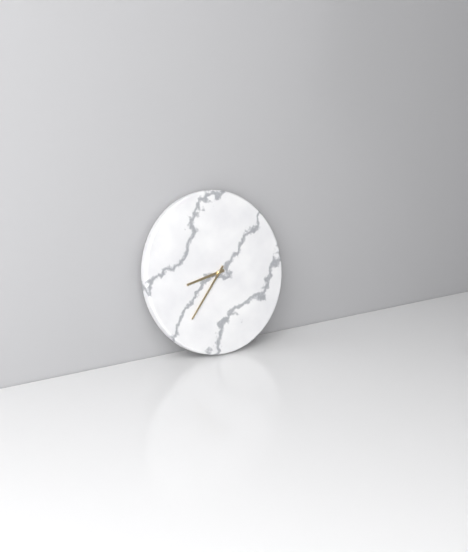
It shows 8h37
